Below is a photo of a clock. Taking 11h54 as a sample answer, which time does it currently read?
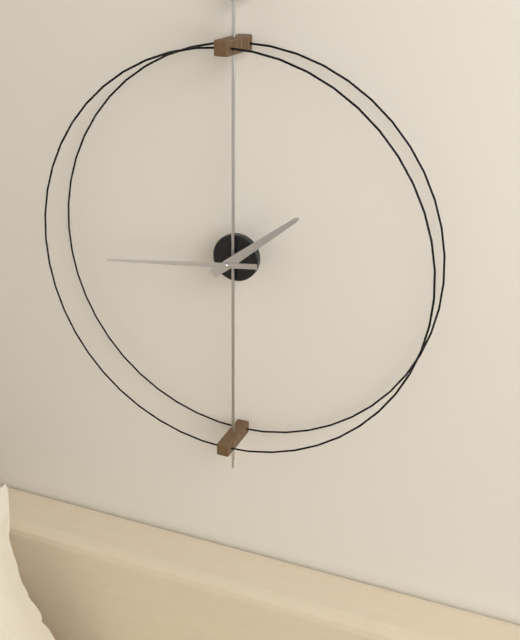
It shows 1h44
